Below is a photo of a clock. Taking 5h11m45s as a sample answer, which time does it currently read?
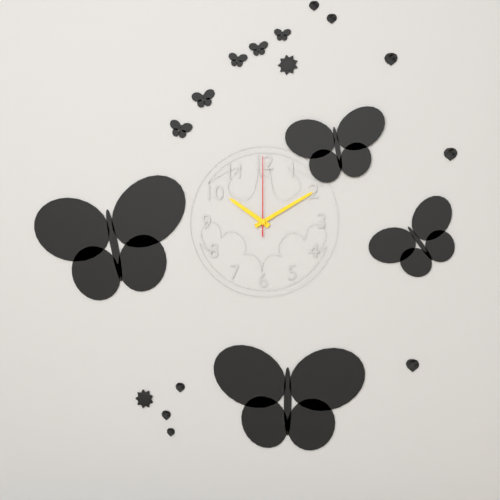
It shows 10h10m00s
